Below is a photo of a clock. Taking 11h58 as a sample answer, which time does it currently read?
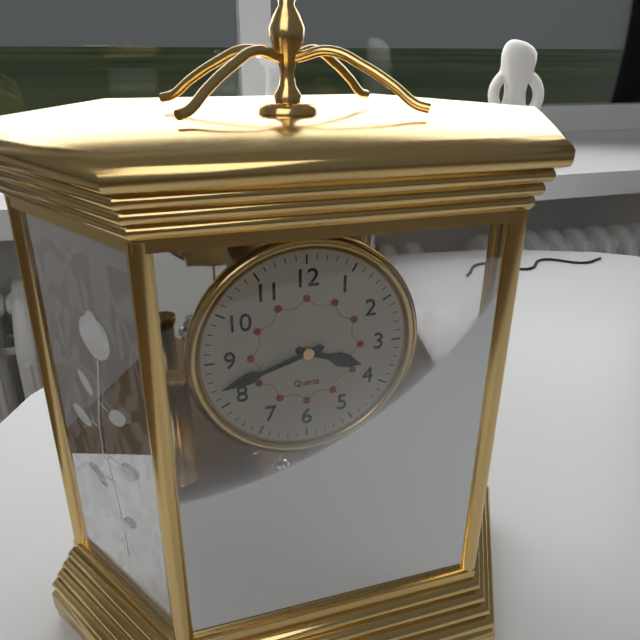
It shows 3h42
